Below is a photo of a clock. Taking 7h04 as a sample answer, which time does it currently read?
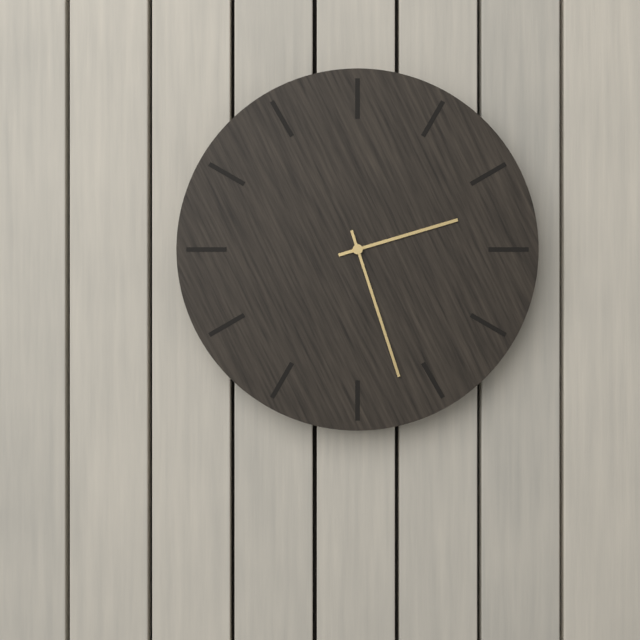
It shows 2h27
